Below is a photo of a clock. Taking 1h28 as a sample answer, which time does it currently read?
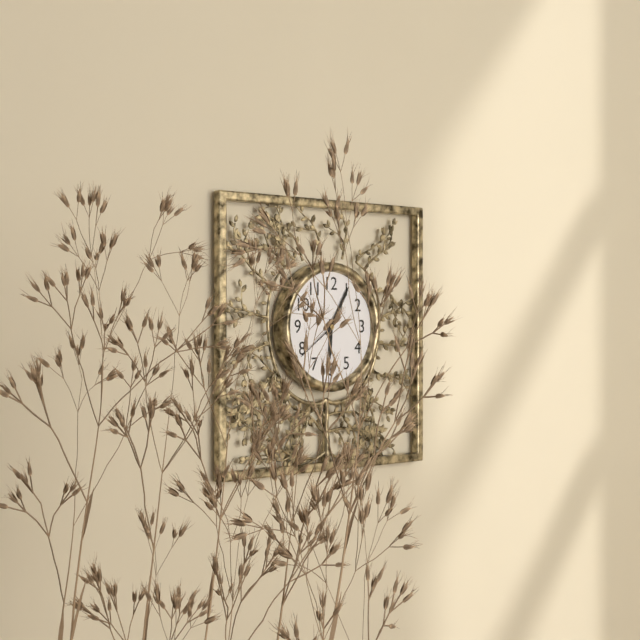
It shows 6h05
